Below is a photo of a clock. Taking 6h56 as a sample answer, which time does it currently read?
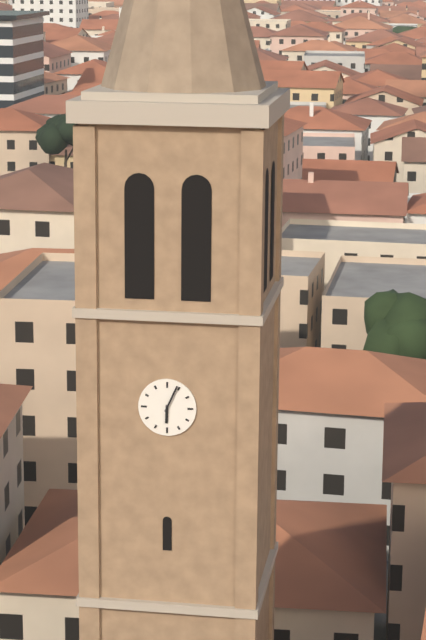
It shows 6h04
